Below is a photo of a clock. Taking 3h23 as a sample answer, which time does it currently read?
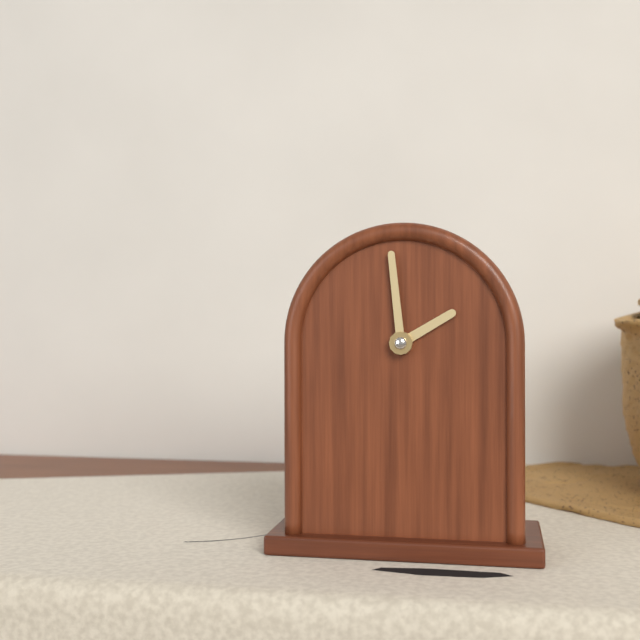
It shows 1h59
